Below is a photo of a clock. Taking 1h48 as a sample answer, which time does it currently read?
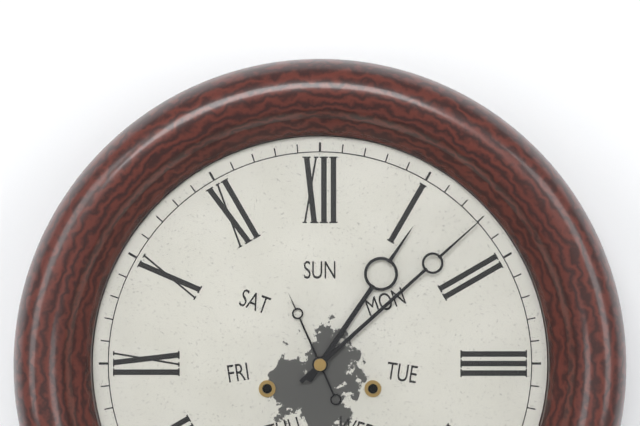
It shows 1h08
